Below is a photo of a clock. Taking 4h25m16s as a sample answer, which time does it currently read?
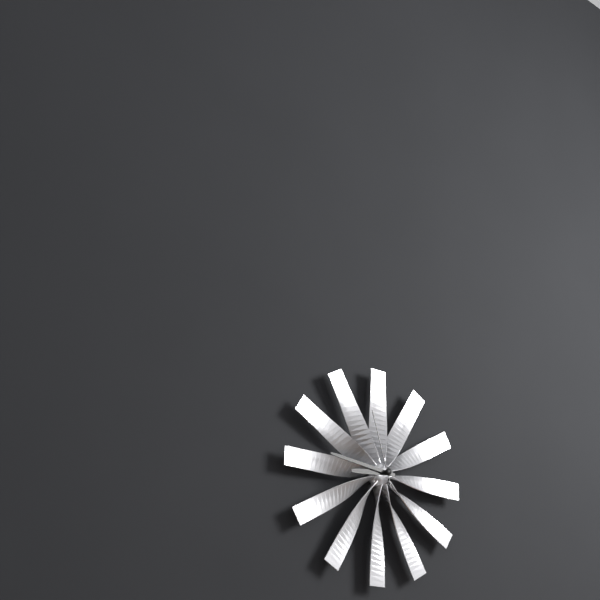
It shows 8h46m57s
